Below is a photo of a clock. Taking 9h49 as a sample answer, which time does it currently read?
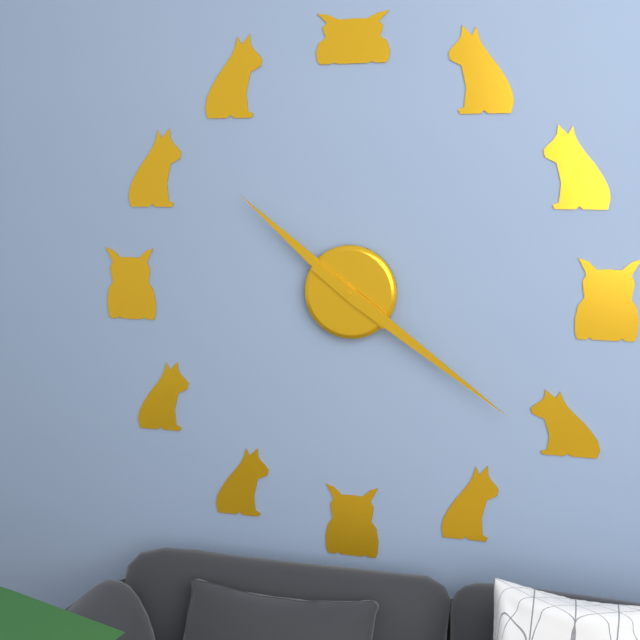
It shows 10h21
